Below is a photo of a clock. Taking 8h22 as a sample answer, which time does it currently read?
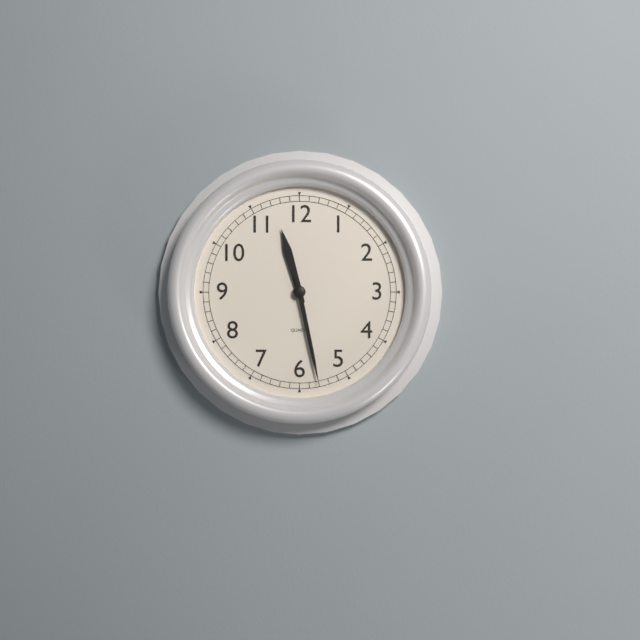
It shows 11h28
